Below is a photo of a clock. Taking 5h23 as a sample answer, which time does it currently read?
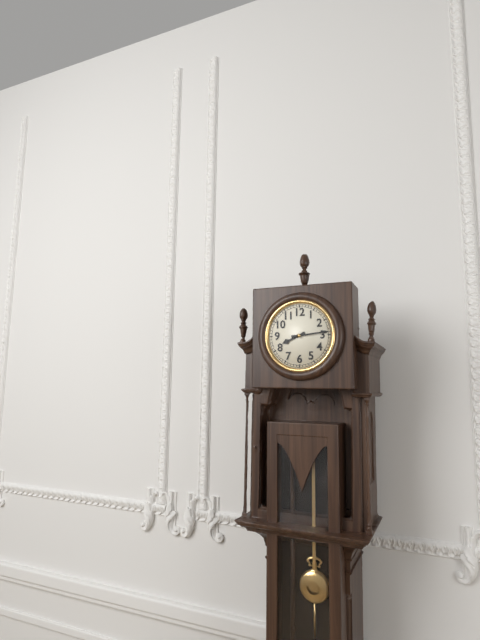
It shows 8h14
